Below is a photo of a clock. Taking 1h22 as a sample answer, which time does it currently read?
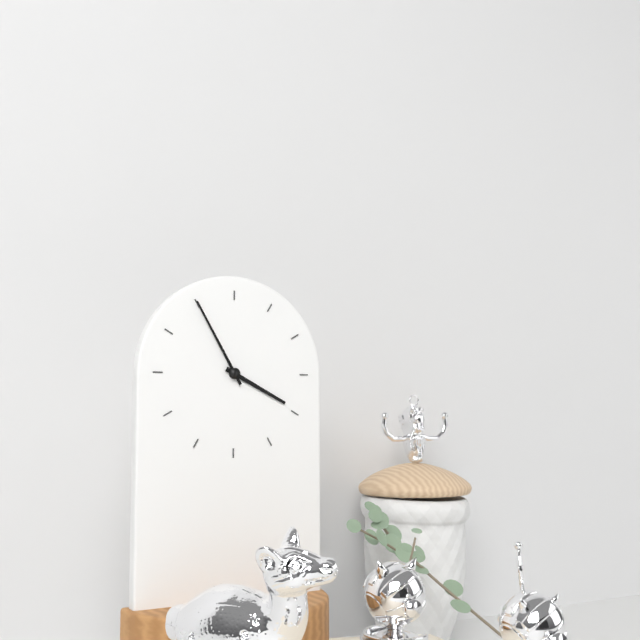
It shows 3h55
